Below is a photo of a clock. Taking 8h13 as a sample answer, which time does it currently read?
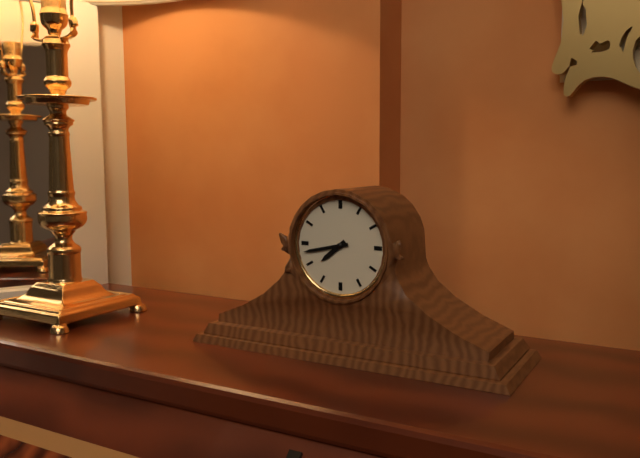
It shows 7h43
